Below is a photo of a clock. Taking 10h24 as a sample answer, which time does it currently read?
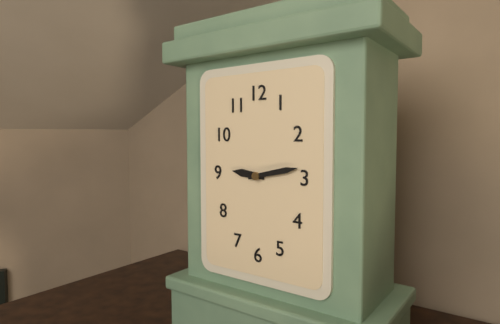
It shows 9h13
